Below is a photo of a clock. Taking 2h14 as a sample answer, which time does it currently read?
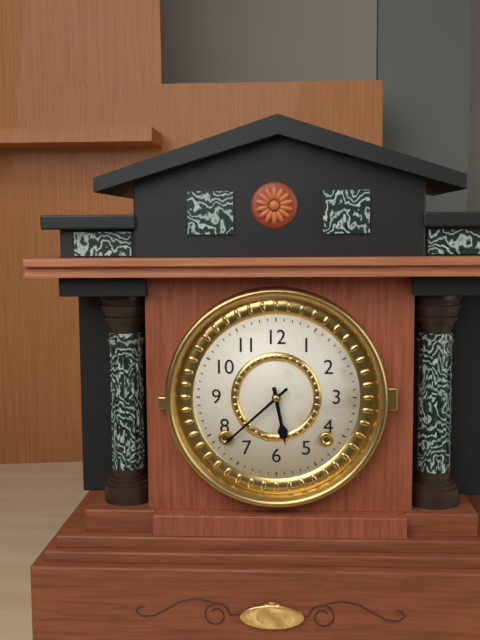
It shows 5h38
